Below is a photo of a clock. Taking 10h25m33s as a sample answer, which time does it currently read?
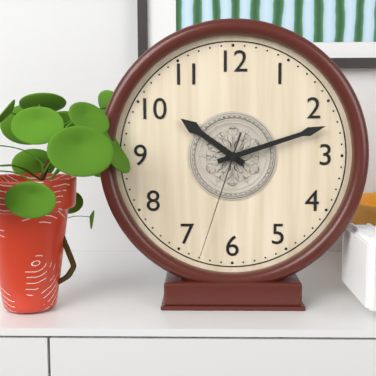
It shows 10h12m33s
